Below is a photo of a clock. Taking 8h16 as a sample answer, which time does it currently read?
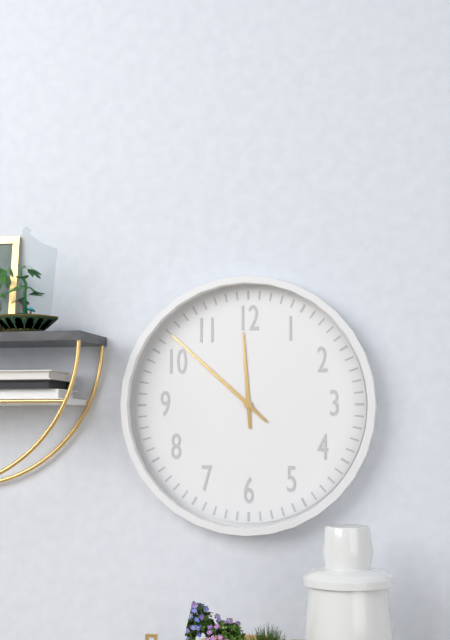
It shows 11h52
